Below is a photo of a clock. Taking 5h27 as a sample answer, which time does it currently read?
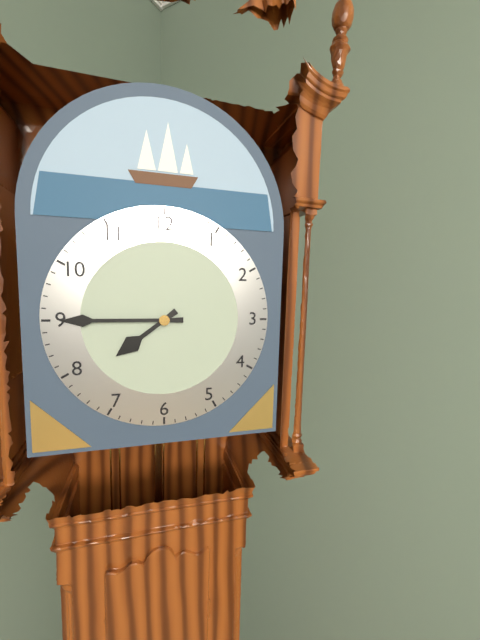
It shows 7h45
